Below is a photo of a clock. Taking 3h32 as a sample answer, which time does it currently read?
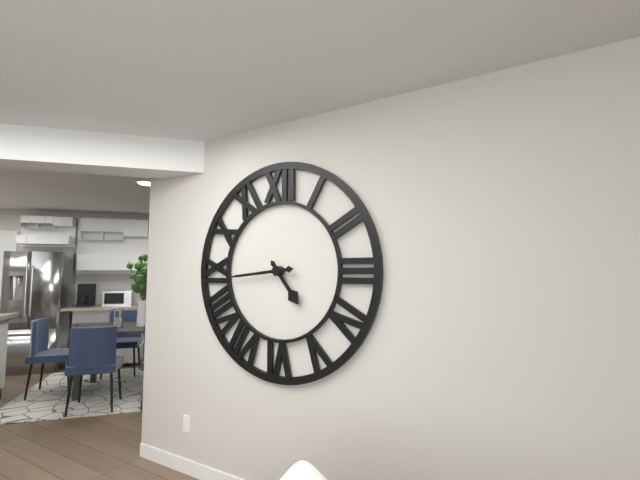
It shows 4h44
